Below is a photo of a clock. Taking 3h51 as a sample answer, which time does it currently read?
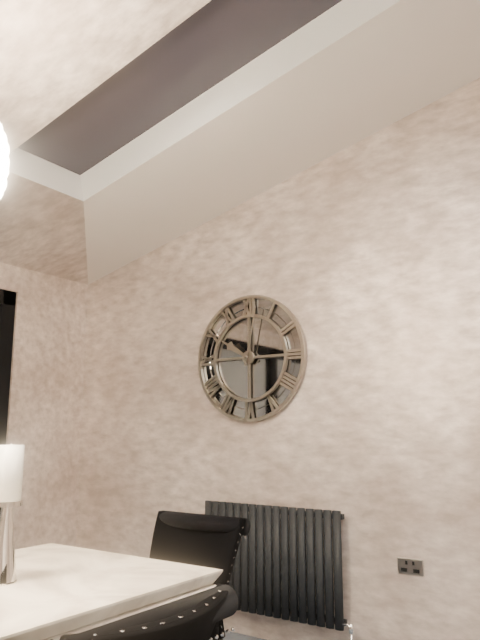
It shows 10h02
